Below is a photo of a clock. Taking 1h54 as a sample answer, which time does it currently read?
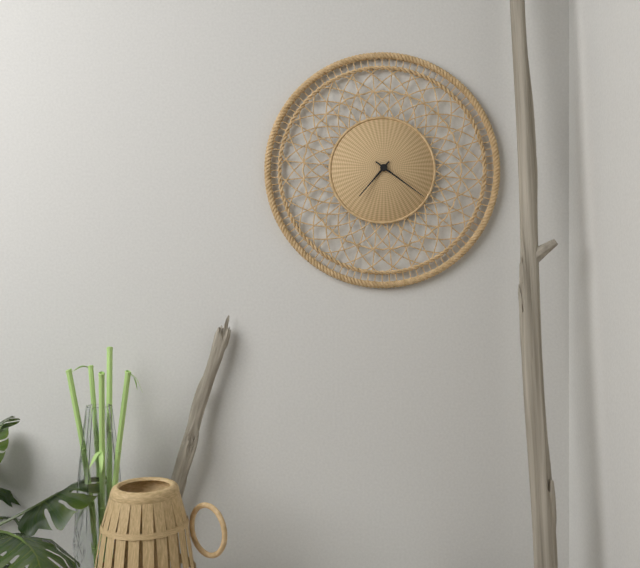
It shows 7h21
